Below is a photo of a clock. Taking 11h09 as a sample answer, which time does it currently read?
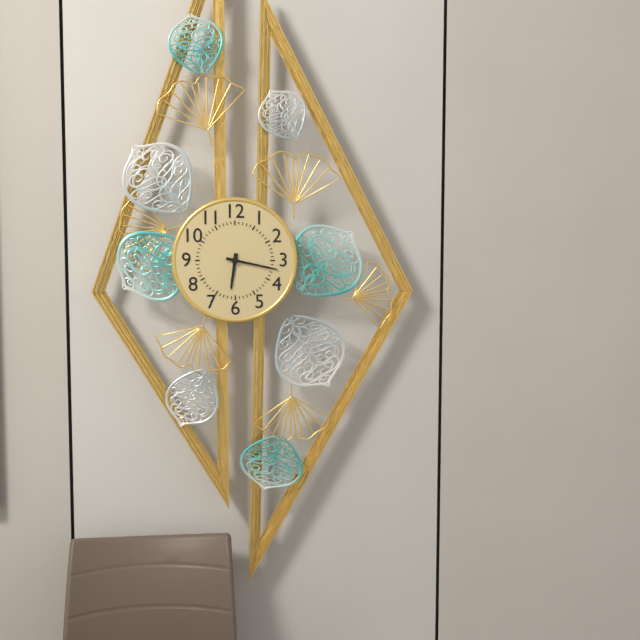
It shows 6h17
